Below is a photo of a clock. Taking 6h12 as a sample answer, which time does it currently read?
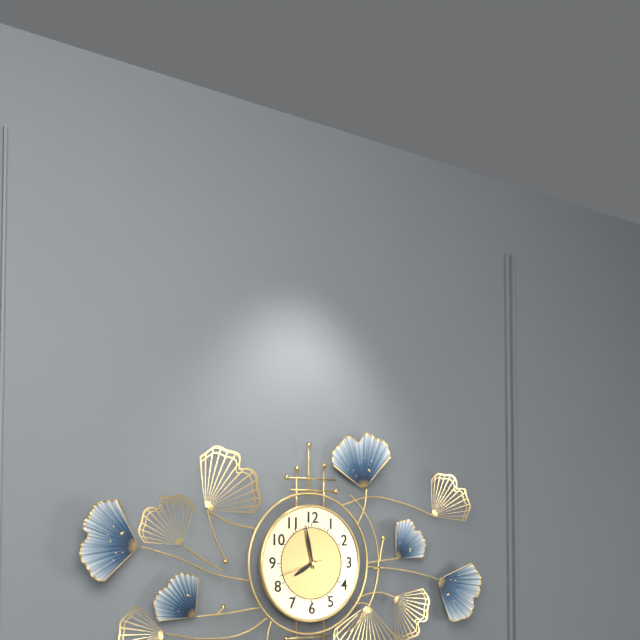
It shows 7h58
